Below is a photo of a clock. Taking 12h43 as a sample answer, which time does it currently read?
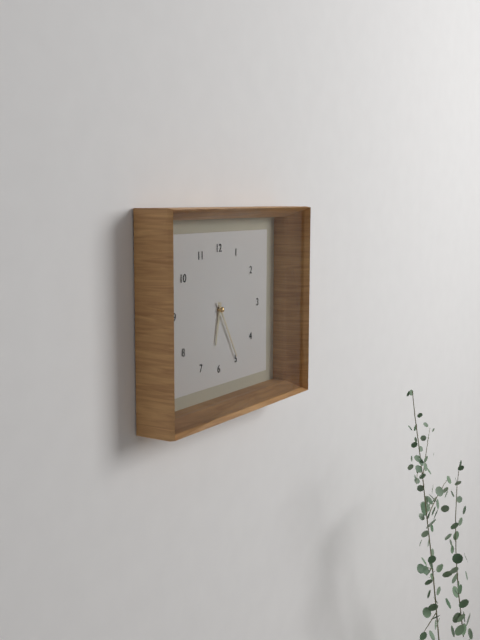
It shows 6h25
